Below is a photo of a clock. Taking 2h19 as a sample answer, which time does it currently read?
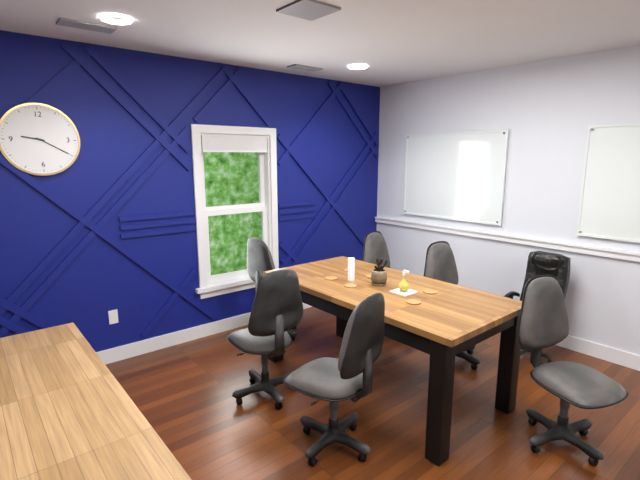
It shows 9h20
